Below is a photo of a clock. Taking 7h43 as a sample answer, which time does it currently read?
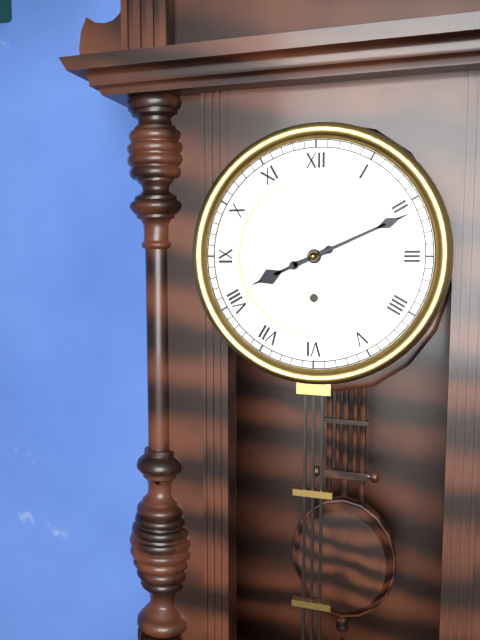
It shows 8h11
